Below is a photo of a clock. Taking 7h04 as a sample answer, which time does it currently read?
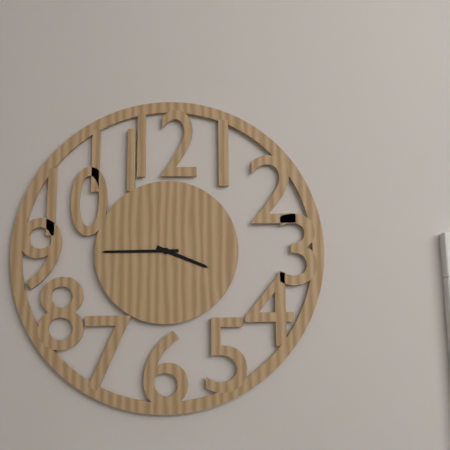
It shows 3h45
